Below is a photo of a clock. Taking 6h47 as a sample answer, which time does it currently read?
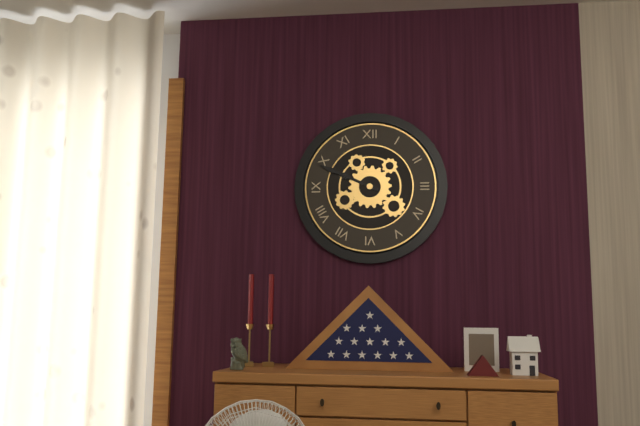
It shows 9h49
